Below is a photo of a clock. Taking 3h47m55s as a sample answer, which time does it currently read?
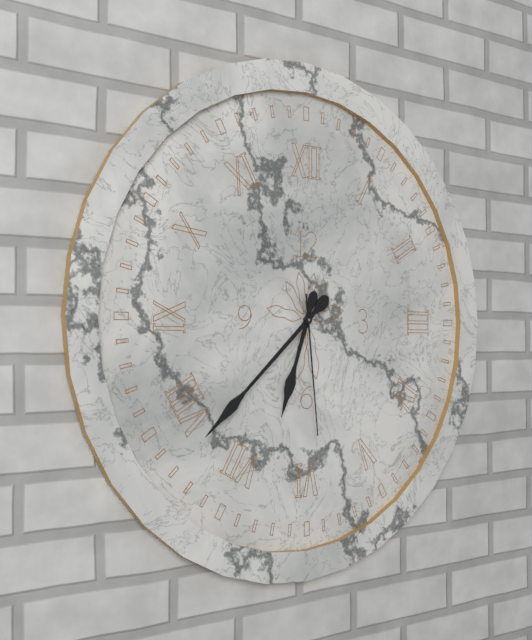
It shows 6h38m29s
